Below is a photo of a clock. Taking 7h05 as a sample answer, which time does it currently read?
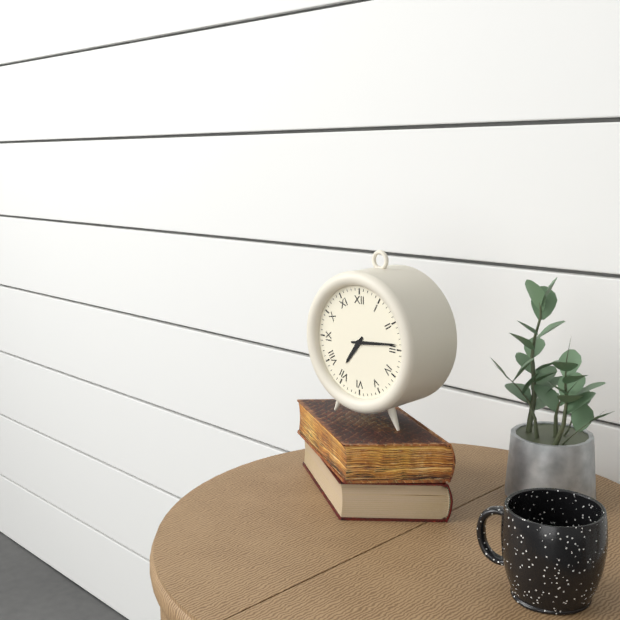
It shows 7h14
